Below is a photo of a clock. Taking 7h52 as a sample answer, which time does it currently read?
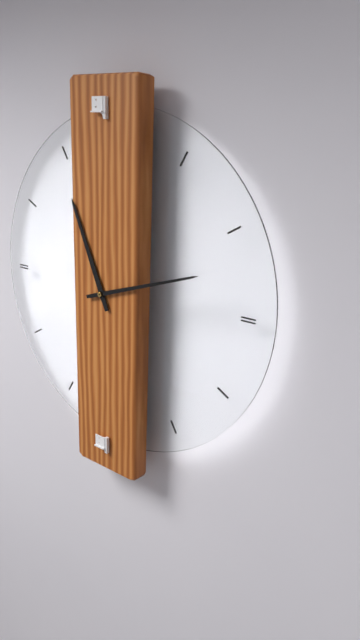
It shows 11h12
